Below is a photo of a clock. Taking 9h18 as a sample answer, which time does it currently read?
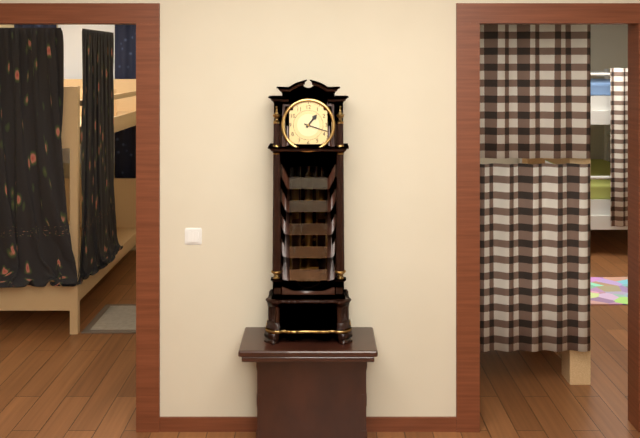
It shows 1h18
